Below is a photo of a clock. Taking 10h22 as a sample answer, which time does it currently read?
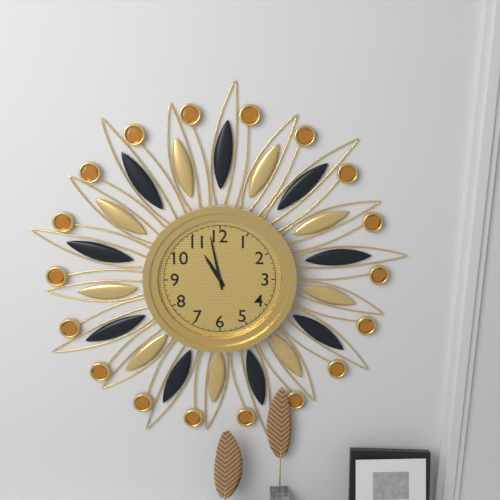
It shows 10h58
